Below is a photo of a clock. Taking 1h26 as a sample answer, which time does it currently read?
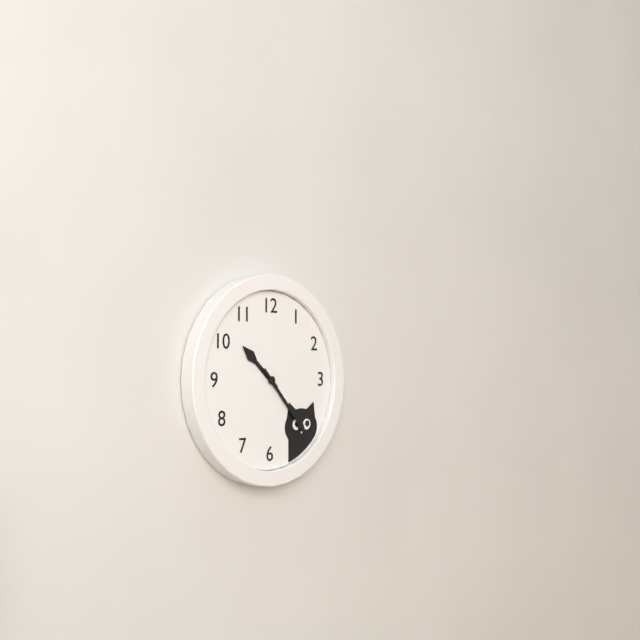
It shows 10h23
